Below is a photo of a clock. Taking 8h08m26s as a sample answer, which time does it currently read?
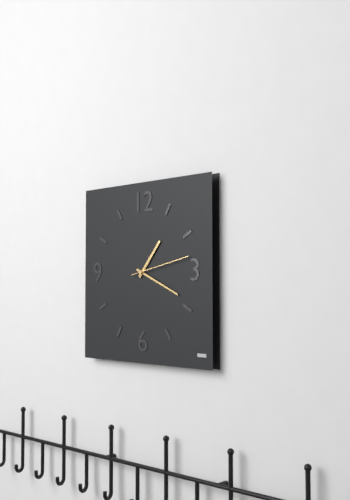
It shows 1h19m13s
